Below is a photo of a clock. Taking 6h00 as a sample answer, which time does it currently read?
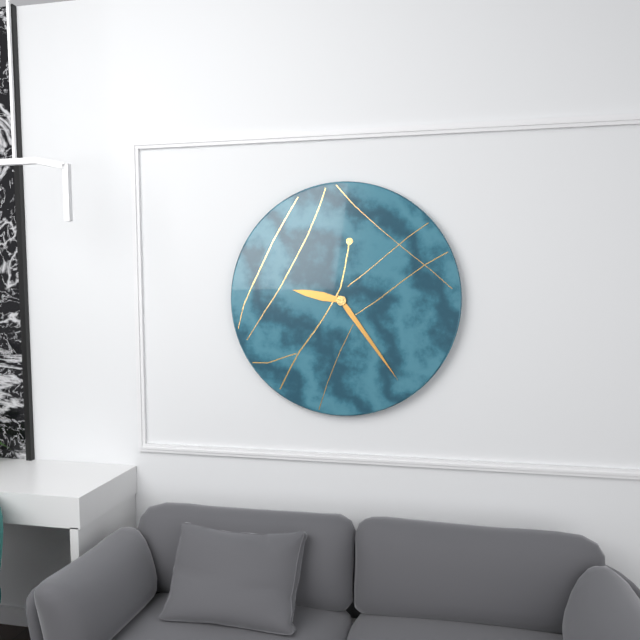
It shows 9h24
